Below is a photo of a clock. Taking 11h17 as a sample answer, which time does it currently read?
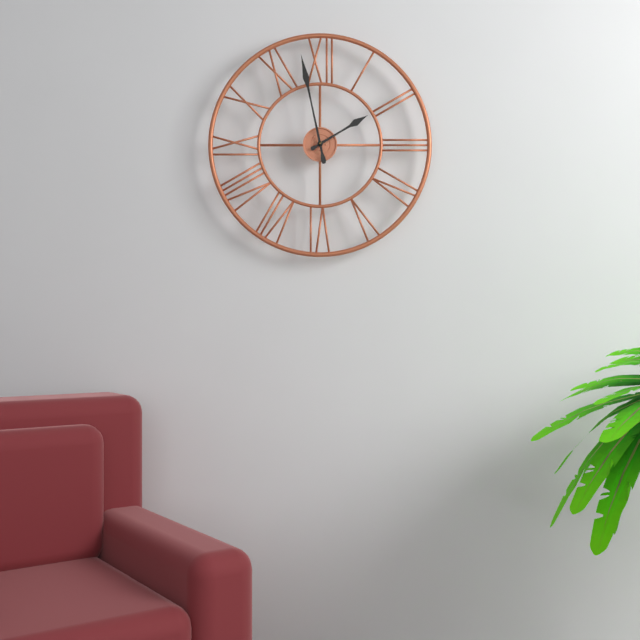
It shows 1h58
